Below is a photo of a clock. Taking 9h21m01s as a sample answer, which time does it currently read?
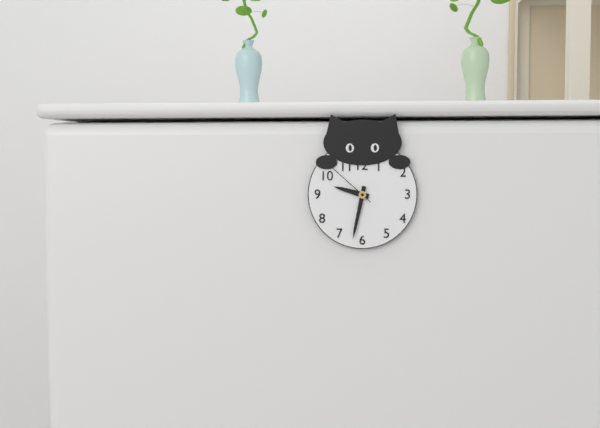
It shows 9h32m52s
